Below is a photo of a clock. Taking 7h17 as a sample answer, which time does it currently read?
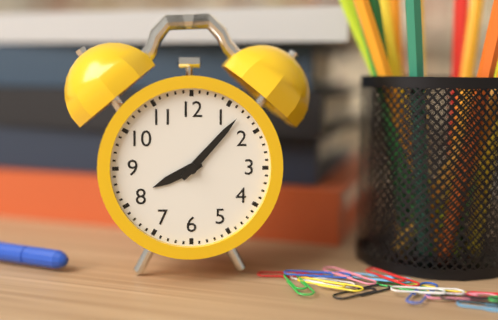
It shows 8h07
